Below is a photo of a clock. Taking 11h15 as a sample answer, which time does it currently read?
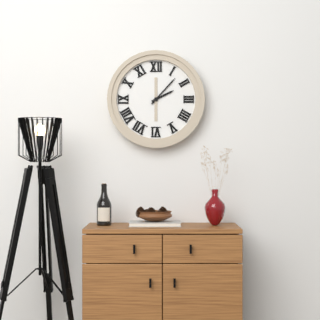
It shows 2h07
